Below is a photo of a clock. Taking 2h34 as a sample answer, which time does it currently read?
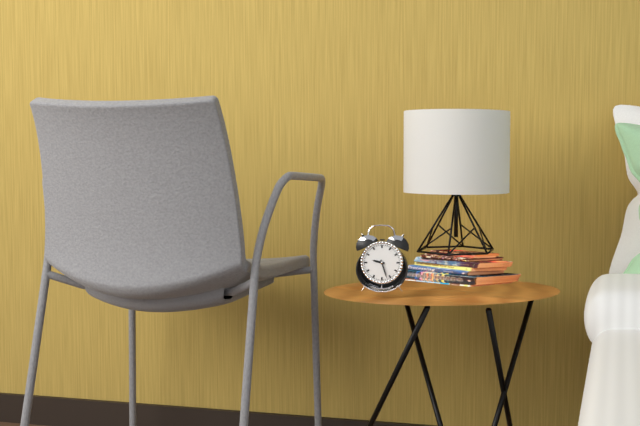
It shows 9h27
